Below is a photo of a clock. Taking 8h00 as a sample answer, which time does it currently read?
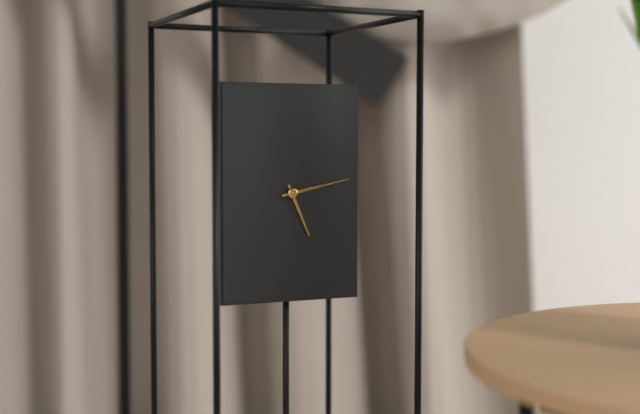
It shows 5h13
